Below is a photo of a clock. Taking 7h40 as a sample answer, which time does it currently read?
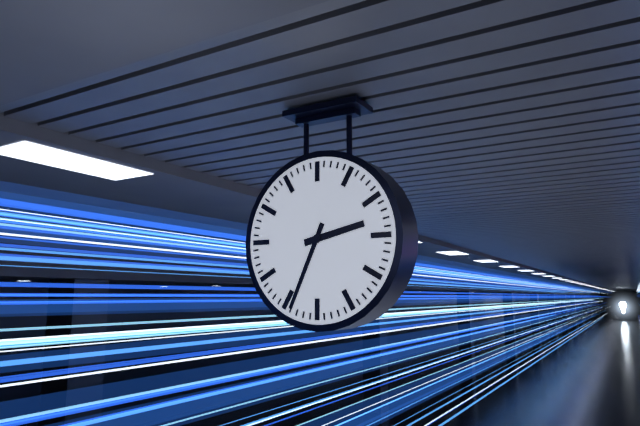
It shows 2h34
